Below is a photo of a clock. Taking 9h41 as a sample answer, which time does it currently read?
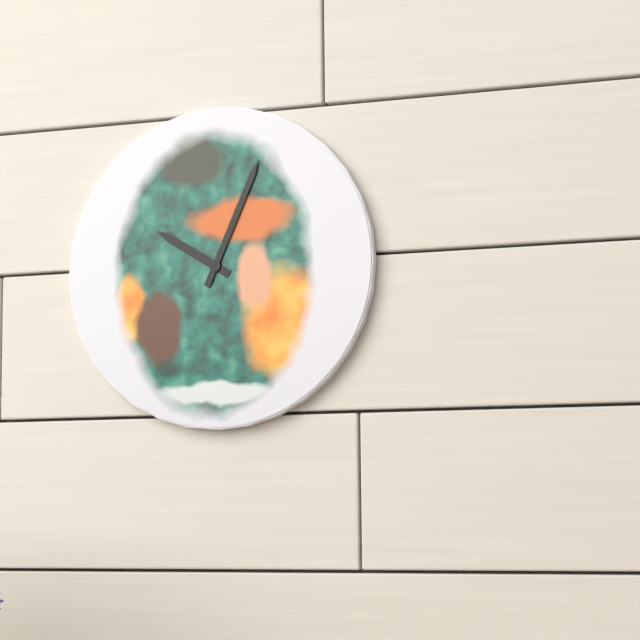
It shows 10h04
